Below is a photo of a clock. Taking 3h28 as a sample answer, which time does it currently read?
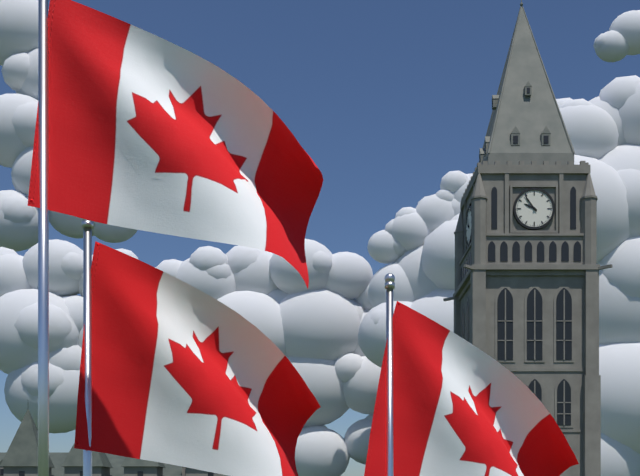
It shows 9h54
